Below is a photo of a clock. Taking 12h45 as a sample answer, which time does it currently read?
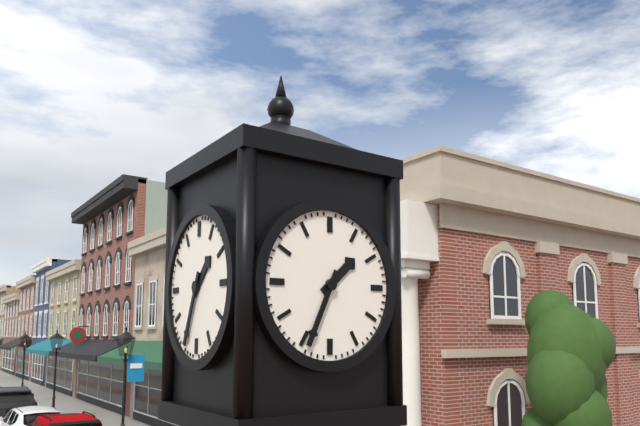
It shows 1h34
